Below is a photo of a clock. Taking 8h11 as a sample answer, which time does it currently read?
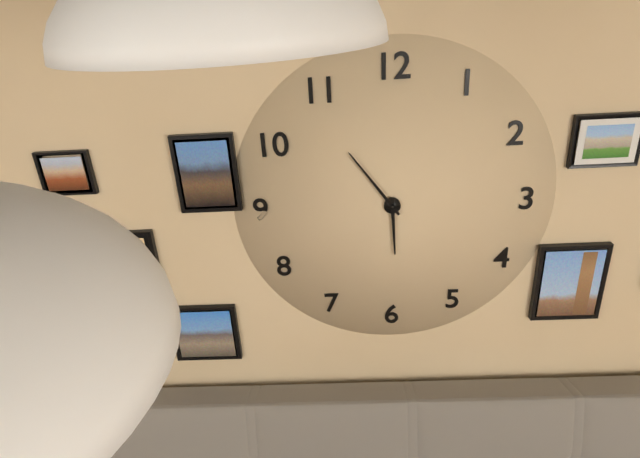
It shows 5h54
